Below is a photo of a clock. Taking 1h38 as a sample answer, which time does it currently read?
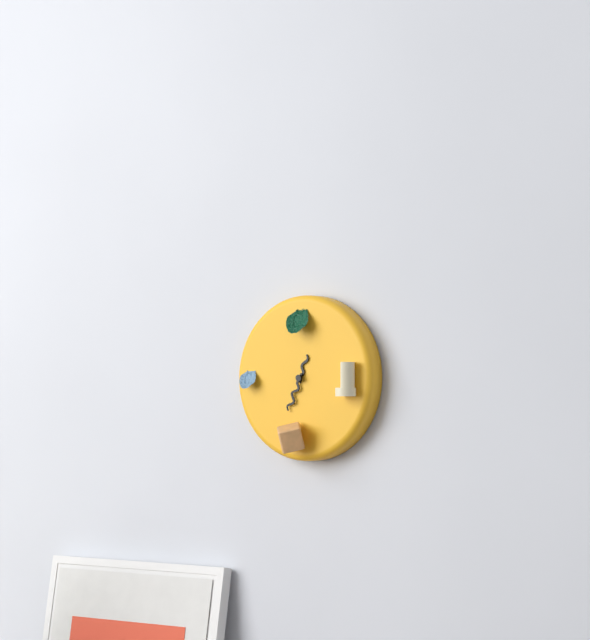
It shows 12h34
